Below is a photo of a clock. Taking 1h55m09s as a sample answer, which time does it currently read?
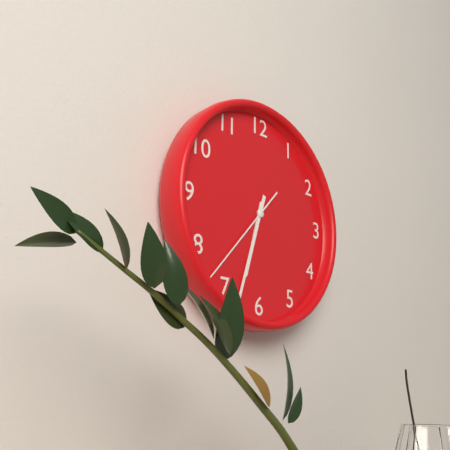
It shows 6h33m37s
